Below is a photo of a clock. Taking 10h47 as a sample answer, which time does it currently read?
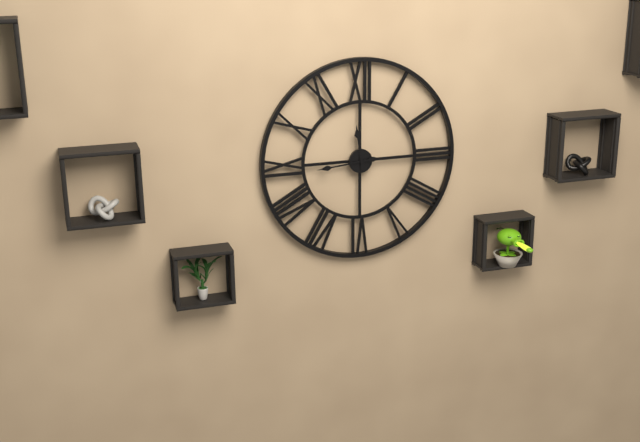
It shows 11h44
